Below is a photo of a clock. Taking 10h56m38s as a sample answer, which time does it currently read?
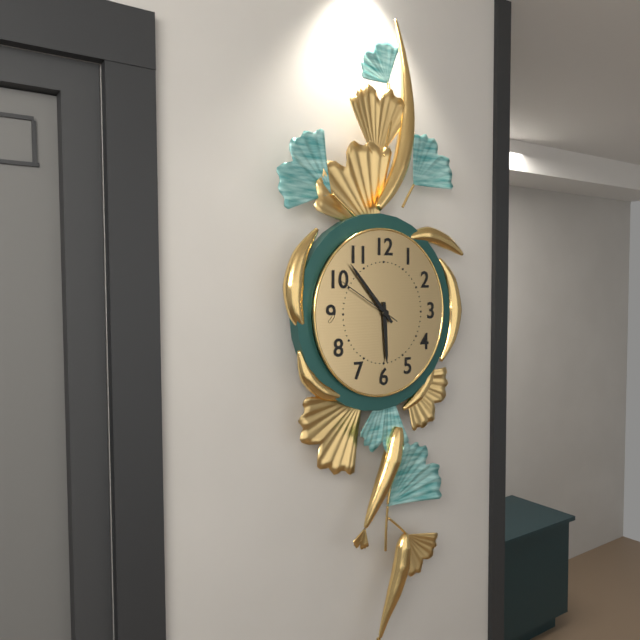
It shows 5h53m50s
